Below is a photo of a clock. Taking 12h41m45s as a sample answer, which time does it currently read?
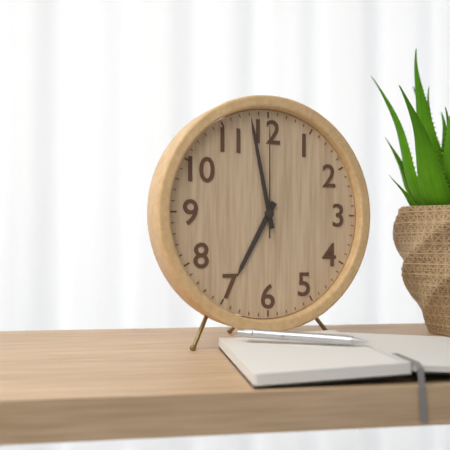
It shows 6h58m00s
